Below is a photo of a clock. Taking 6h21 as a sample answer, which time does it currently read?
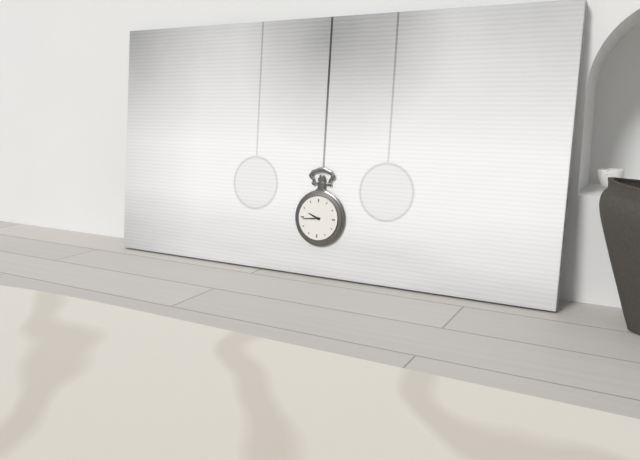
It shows 9h44
